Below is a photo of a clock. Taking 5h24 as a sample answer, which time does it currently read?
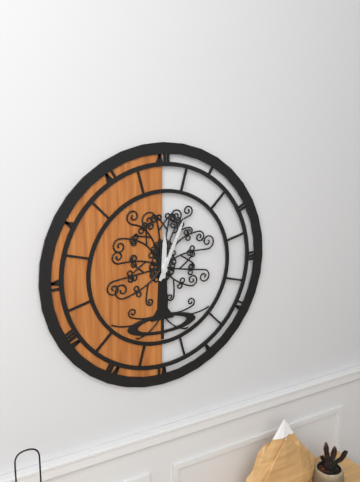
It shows 12h04
